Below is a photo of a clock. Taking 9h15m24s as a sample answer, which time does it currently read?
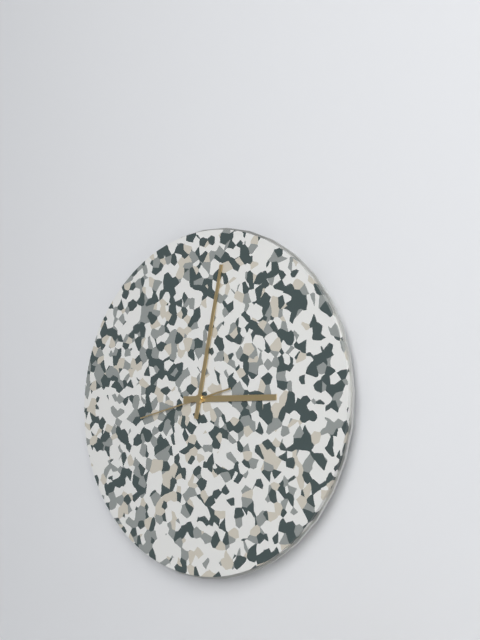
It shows 3h02m43s
